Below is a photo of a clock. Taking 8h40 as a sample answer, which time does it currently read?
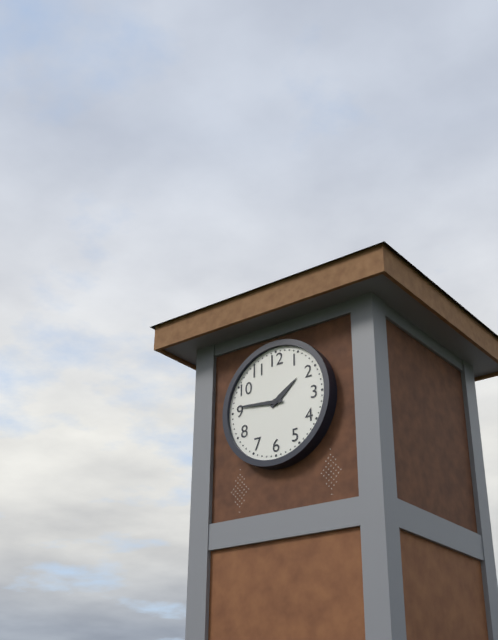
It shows 1h46
